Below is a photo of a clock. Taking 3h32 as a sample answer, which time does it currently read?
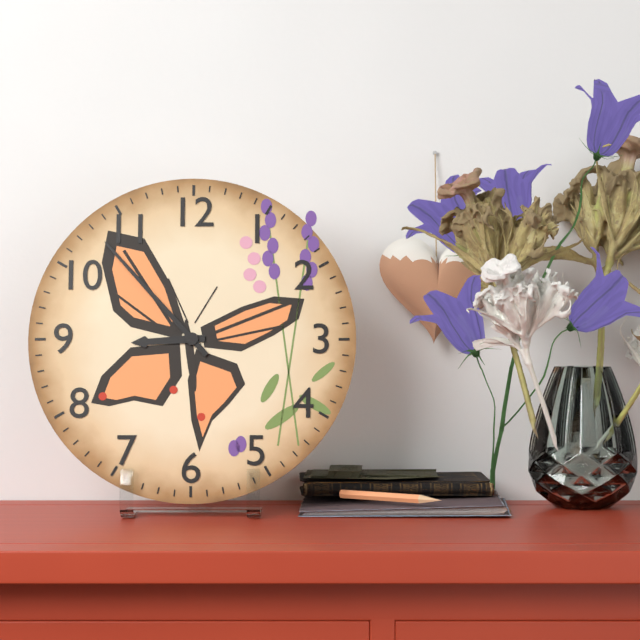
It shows 8h53
